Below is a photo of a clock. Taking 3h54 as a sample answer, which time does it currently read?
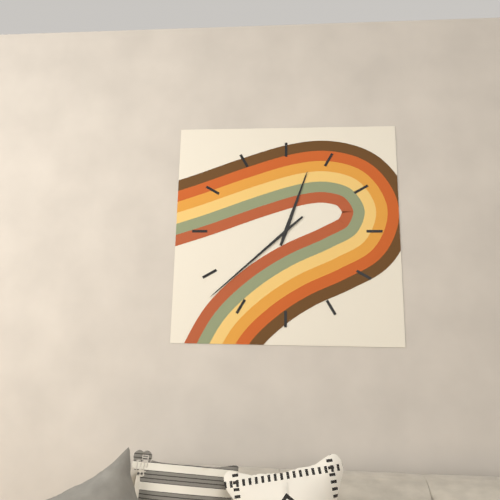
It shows 12h38
